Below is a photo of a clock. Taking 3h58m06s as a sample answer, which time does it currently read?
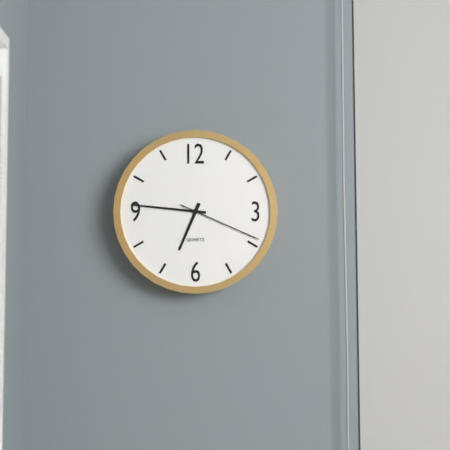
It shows 6h46m19s
